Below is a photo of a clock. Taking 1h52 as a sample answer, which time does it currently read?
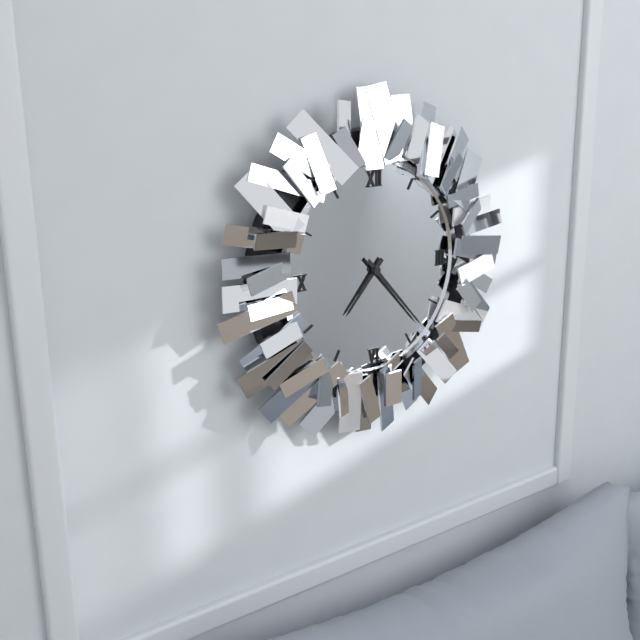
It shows 7h23
